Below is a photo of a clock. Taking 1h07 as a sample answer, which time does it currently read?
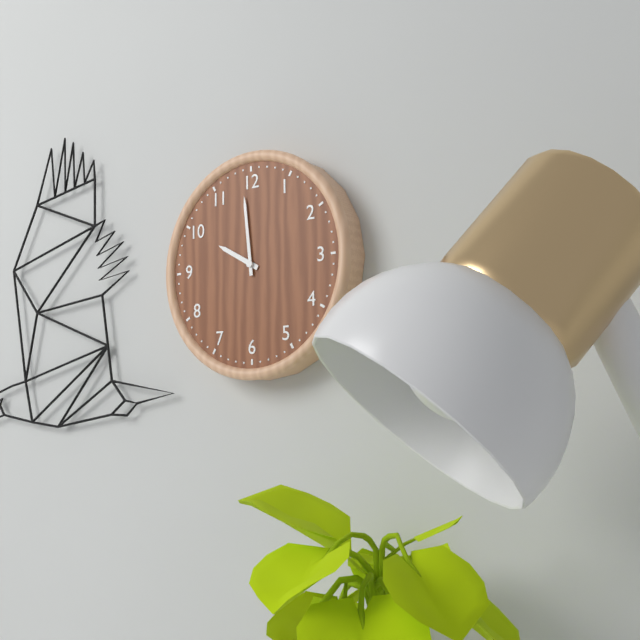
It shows 9h59
